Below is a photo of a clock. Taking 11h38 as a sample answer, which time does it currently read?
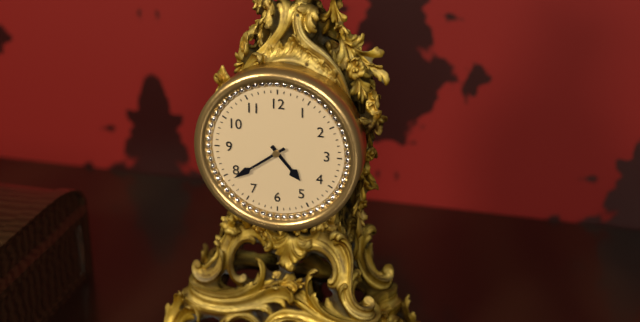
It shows 4h39
